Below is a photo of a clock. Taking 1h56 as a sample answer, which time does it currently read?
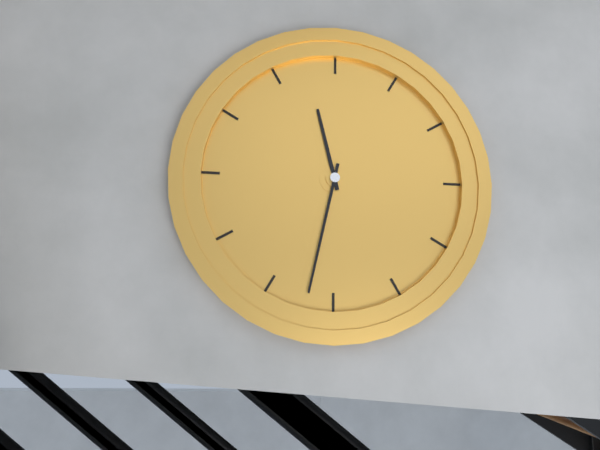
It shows 11h32
